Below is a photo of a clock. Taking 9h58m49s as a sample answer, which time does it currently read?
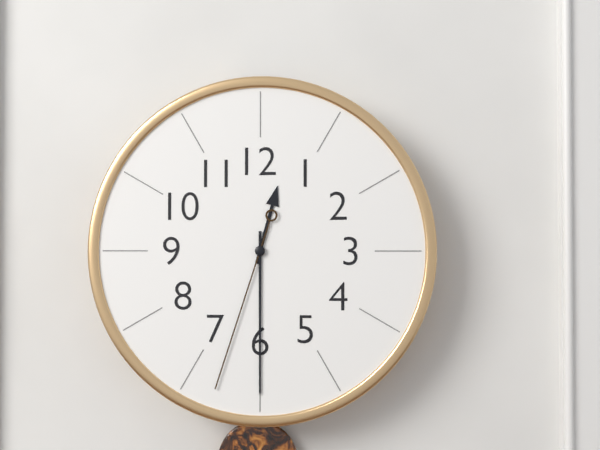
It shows 12h30m33s
